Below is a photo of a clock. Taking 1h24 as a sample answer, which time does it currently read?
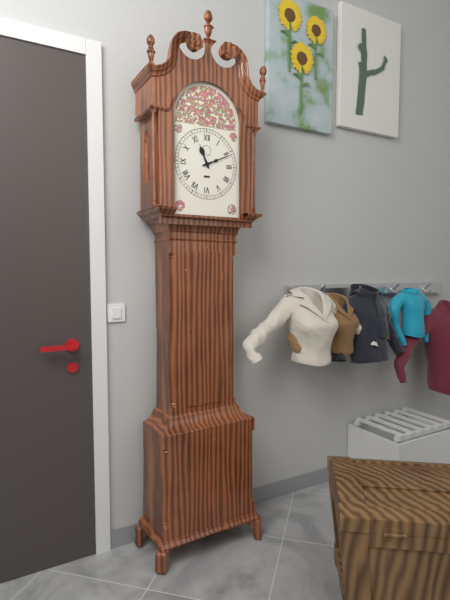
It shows 11h11
